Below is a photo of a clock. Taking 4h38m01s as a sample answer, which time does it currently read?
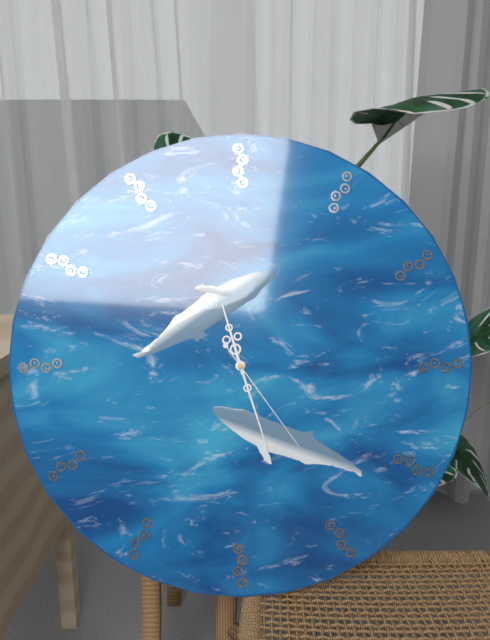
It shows 11h27m24s
